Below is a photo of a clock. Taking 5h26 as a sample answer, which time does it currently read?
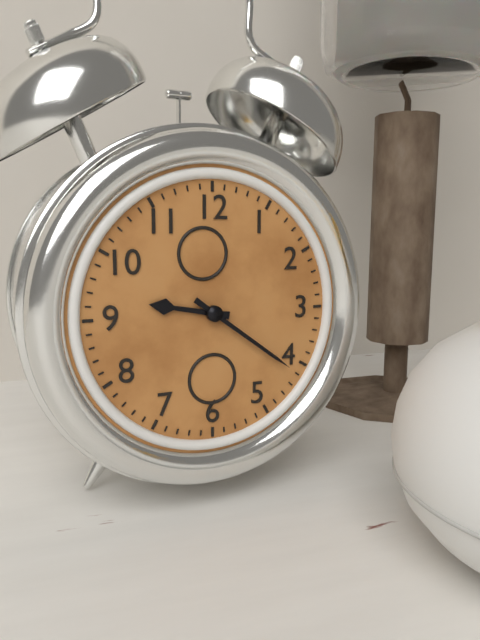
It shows 9h21
